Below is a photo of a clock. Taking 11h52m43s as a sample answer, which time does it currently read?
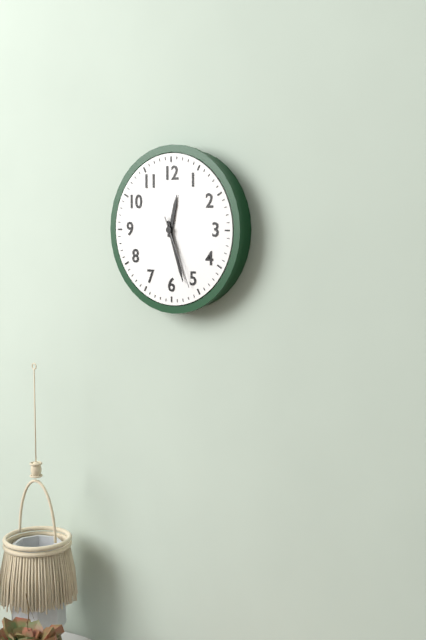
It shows 12h27m26s
